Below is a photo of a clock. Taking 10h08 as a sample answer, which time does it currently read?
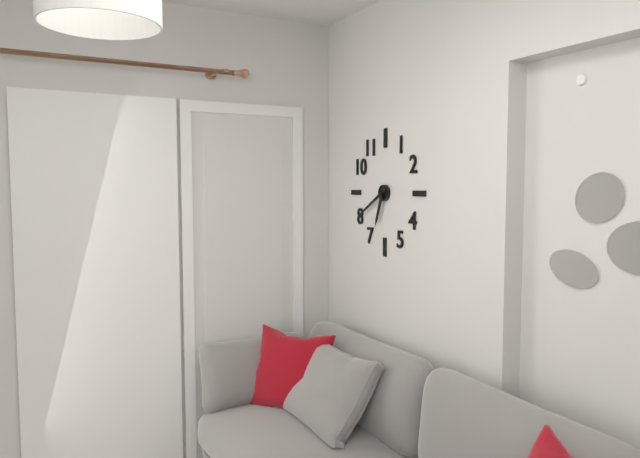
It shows 6h40
